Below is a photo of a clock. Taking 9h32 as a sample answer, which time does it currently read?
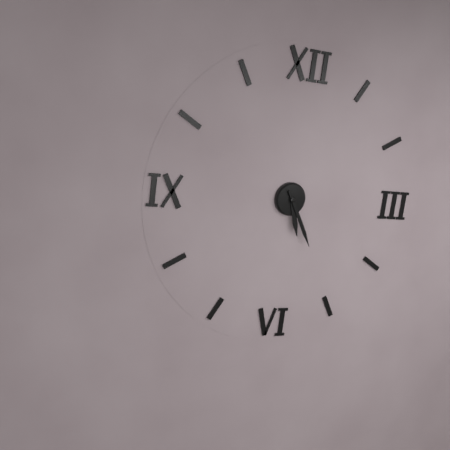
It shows 5h25
